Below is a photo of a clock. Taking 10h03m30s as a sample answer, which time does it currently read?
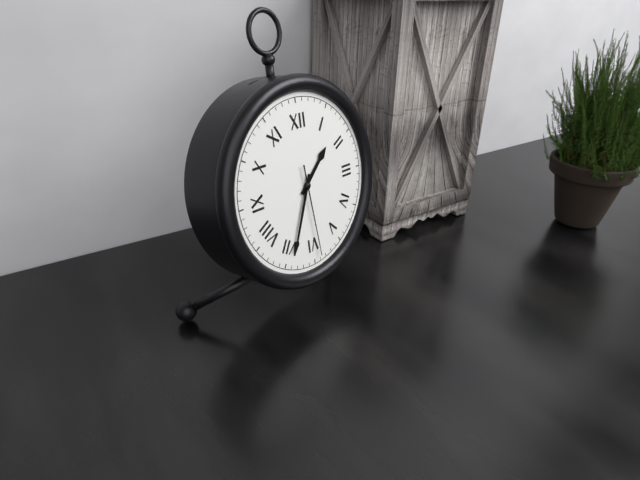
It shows 1h34m29s
